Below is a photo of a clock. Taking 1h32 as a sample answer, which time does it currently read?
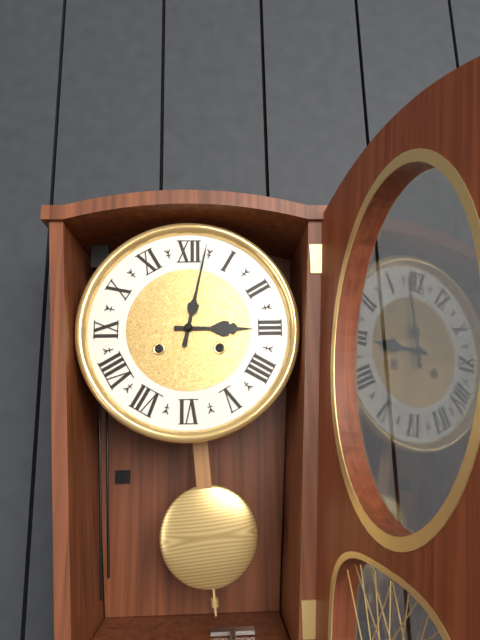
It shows 3h02
